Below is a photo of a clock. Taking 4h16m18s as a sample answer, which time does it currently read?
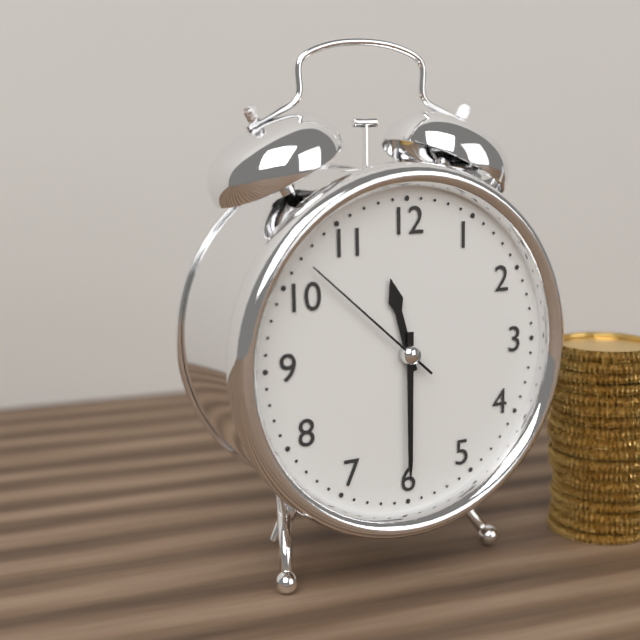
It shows 11h30m52s
